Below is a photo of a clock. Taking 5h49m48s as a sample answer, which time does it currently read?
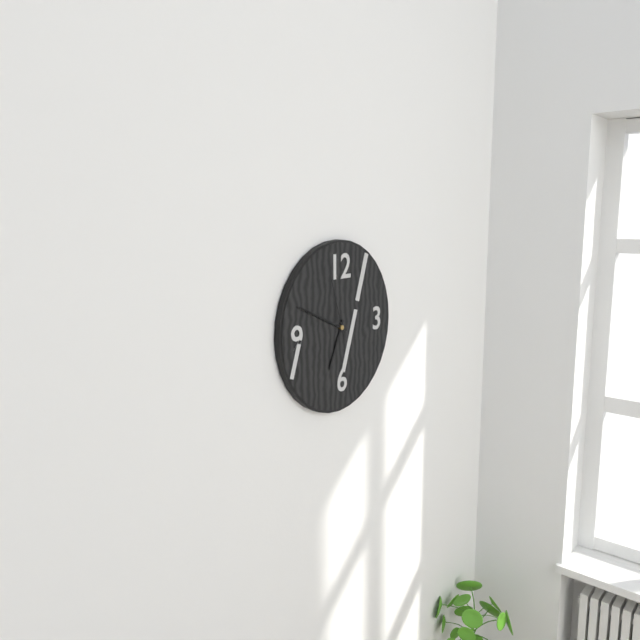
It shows 6h49m57s
